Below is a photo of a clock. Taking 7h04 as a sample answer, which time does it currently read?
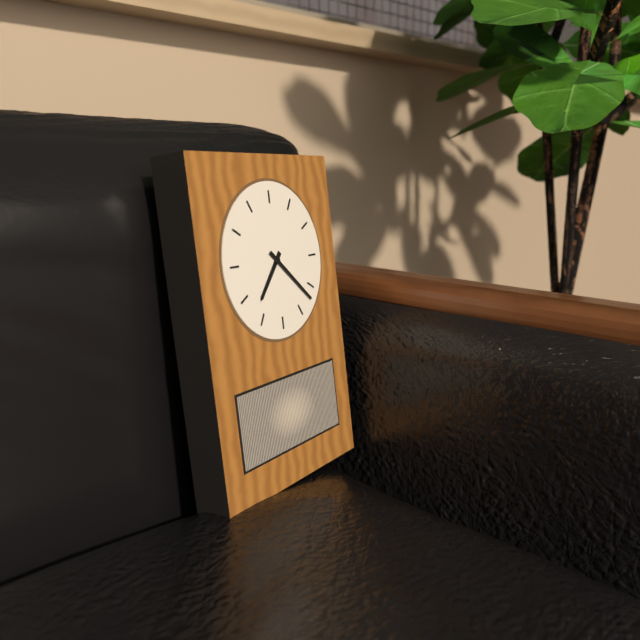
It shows 7h22
